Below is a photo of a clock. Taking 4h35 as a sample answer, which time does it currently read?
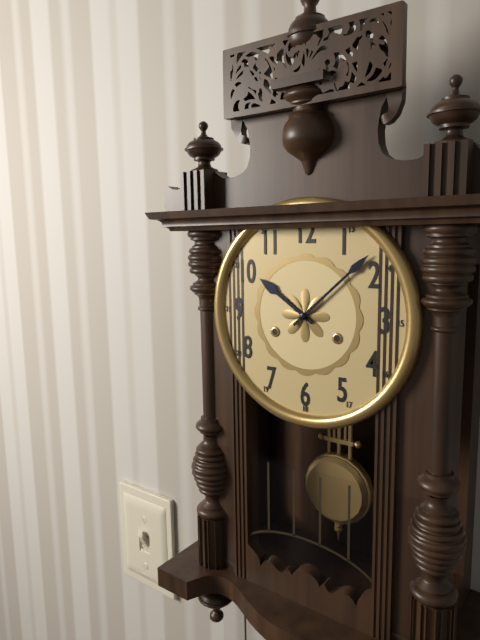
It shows 10h08
